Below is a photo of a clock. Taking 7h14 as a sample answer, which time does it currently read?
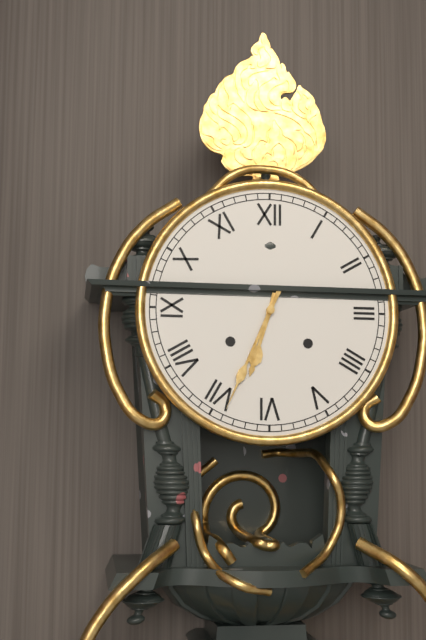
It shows 6h34
